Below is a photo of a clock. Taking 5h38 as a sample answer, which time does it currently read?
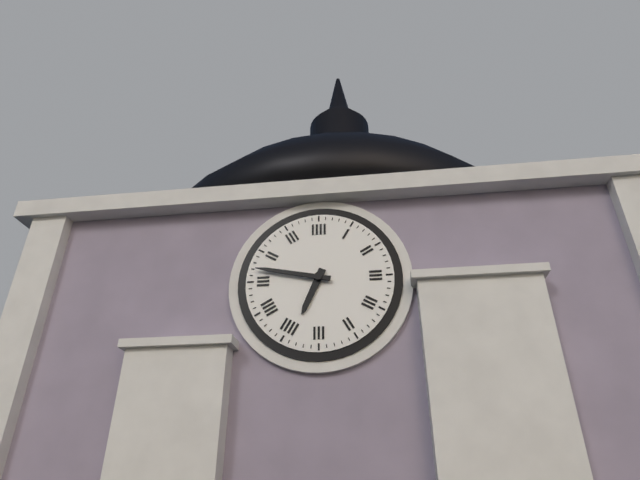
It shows 6h47
